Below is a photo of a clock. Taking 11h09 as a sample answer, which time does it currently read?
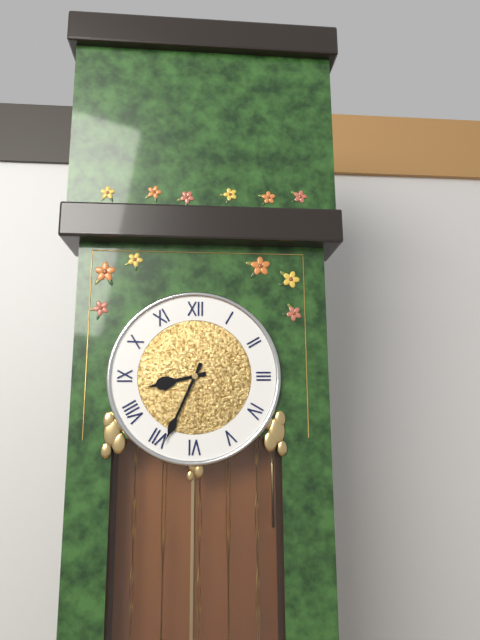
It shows 8h34
